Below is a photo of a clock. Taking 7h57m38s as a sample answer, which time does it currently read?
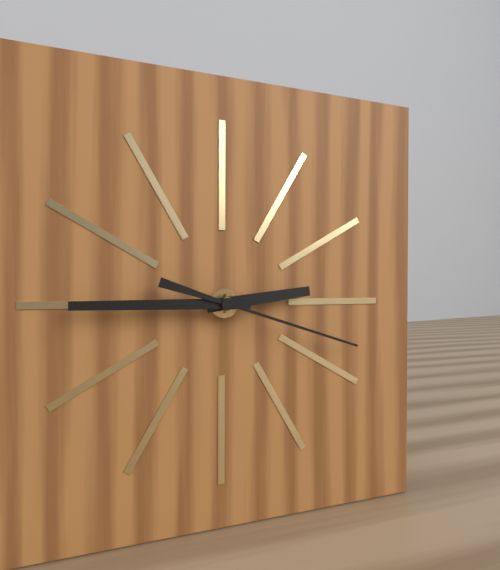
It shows 2h45m18s
